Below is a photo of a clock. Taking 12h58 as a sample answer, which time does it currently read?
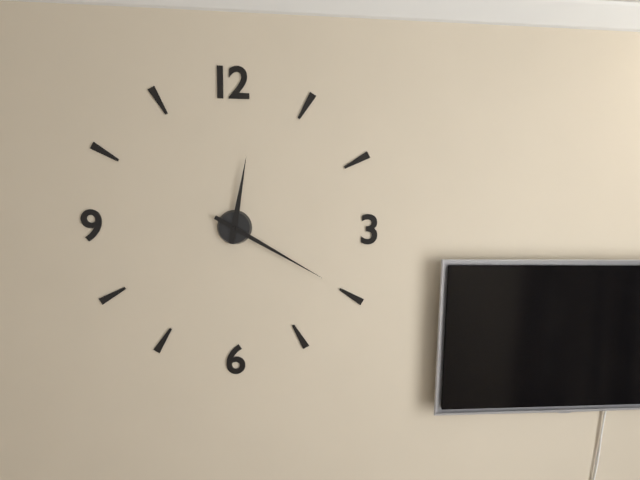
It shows 12h20
